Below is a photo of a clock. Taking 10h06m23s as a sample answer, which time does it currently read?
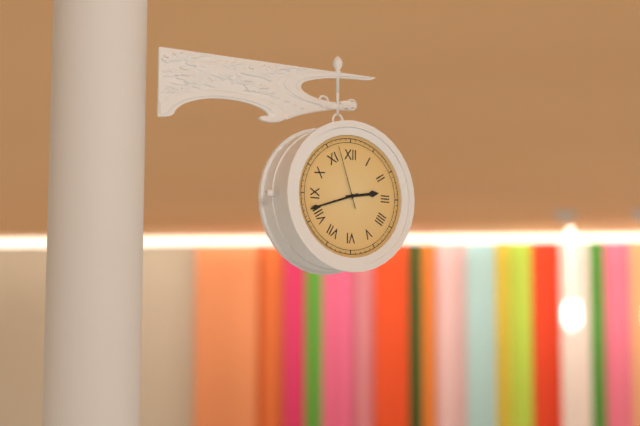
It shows 2h42m57s
